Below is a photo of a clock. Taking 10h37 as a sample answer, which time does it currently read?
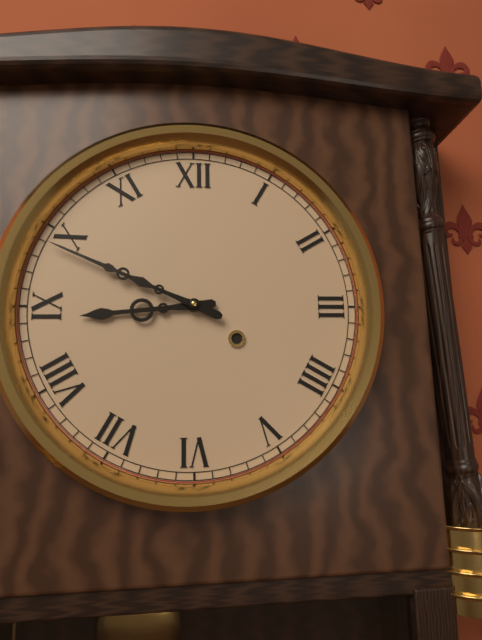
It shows 8h49
